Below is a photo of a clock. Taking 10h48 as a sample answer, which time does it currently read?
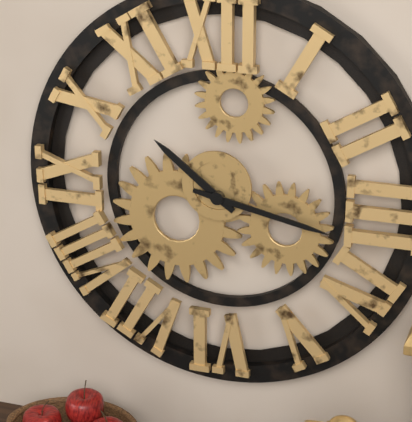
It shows 10h17
